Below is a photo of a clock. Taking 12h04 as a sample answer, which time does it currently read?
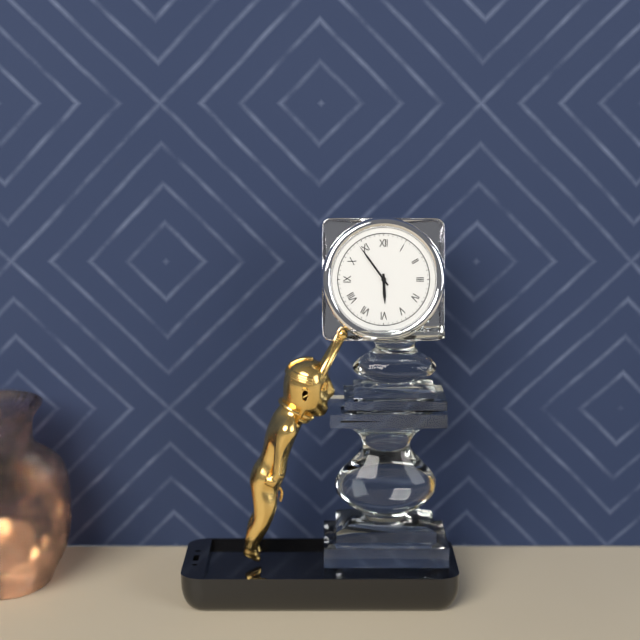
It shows 5h54
